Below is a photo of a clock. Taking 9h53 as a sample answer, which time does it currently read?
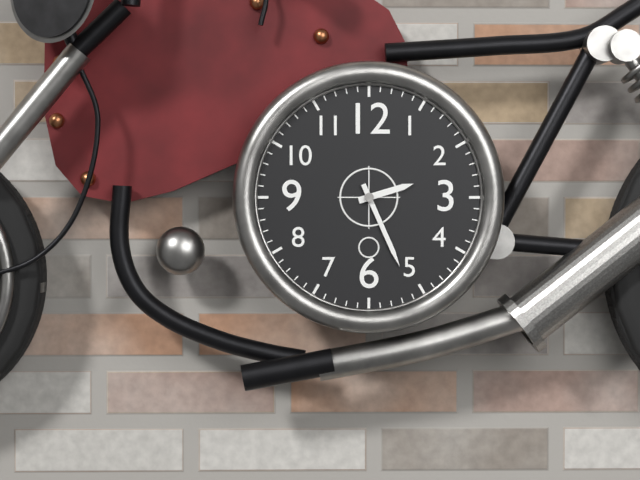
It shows 2h26
